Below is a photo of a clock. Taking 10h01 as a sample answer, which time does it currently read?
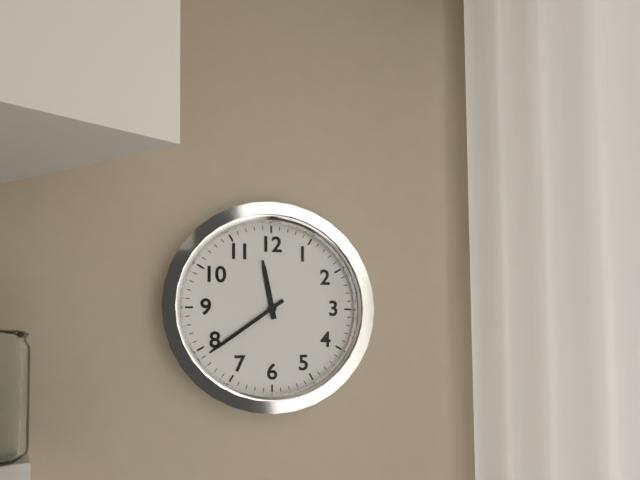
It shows 11h39
